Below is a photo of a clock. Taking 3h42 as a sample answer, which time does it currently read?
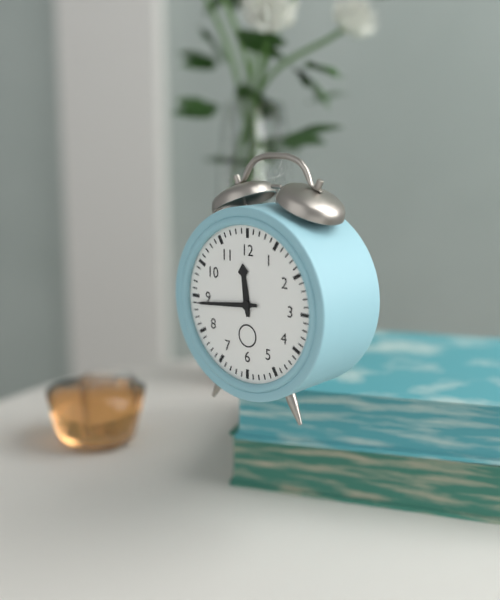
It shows 11h44
